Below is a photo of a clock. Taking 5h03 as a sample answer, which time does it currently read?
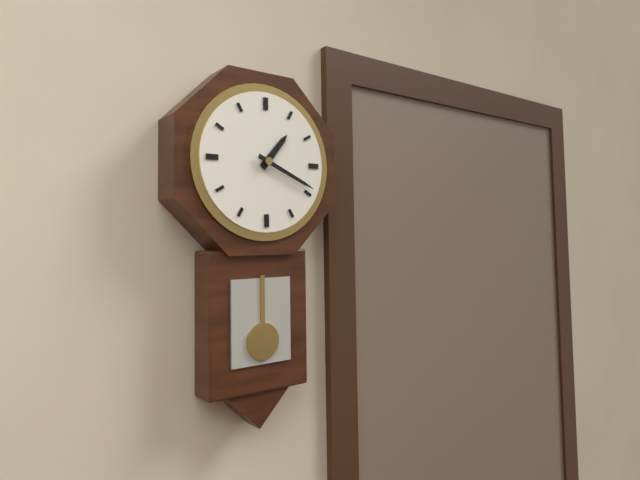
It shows 1h19
